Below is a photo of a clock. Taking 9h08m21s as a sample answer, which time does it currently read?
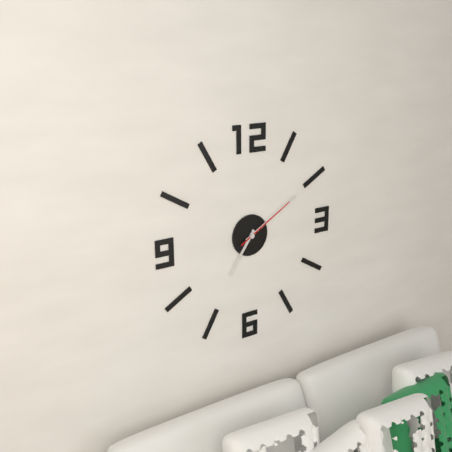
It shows 7h10m10s
